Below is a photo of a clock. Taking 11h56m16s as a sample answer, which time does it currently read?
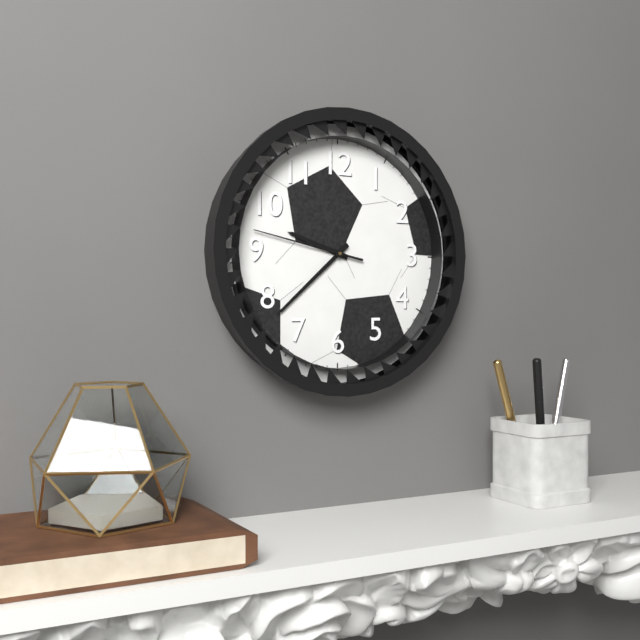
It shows 9h38m47s
